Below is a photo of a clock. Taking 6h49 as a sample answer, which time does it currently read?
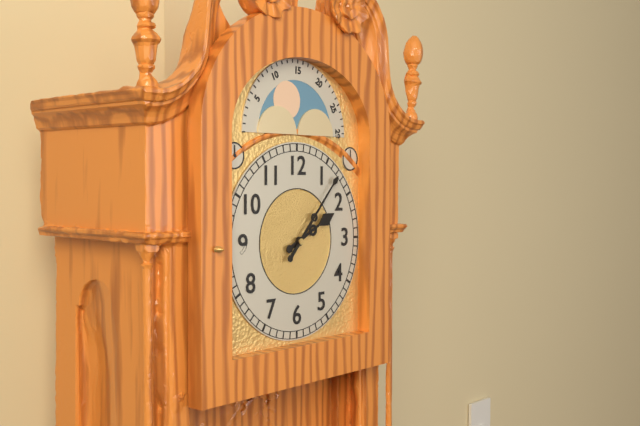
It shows 2h07
